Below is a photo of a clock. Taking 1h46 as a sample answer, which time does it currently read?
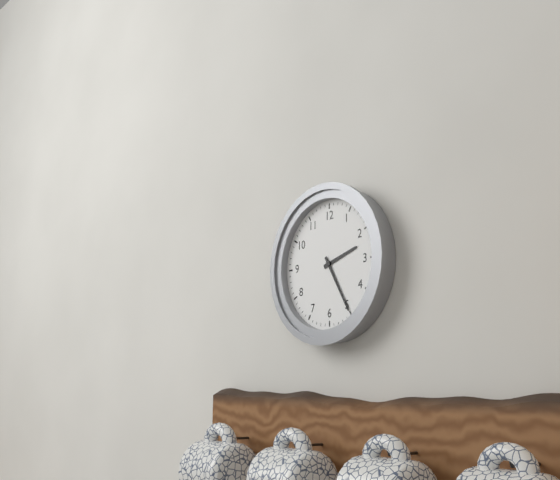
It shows 2h25
